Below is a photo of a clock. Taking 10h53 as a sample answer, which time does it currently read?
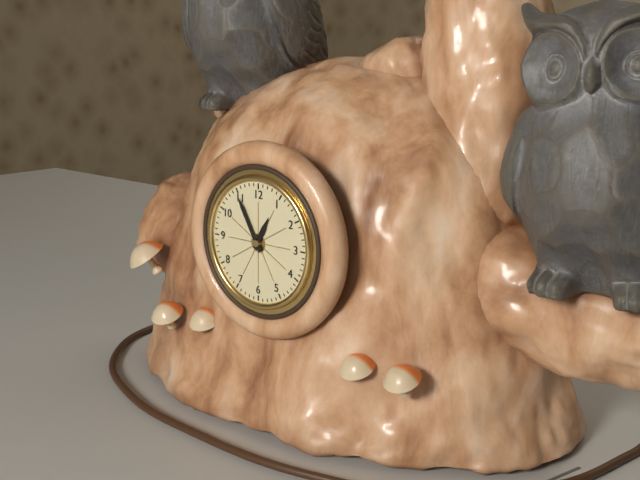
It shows 12h55
